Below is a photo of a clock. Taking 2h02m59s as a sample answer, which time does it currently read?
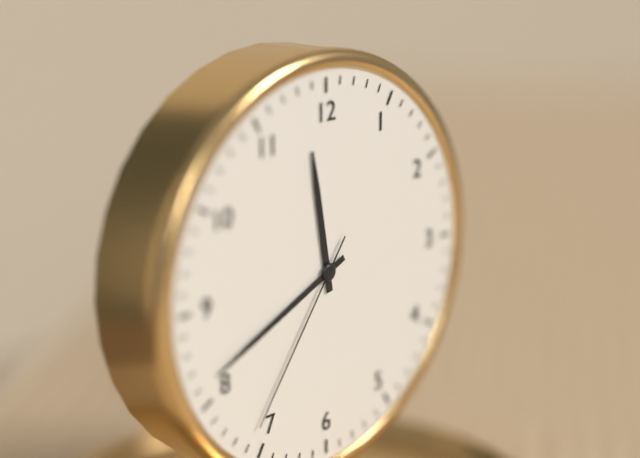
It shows 11h41m36s
